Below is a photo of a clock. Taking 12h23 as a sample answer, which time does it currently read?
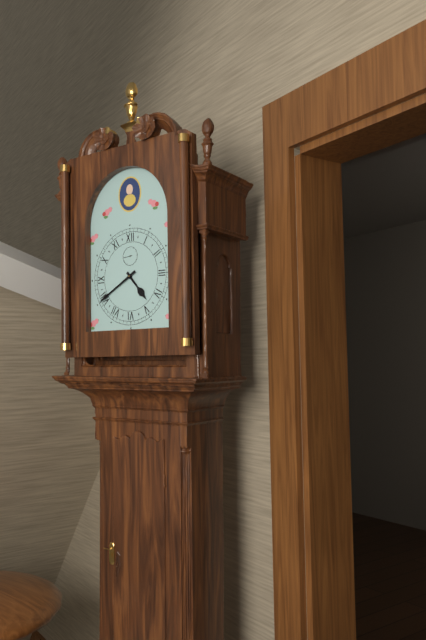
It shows 4h40
